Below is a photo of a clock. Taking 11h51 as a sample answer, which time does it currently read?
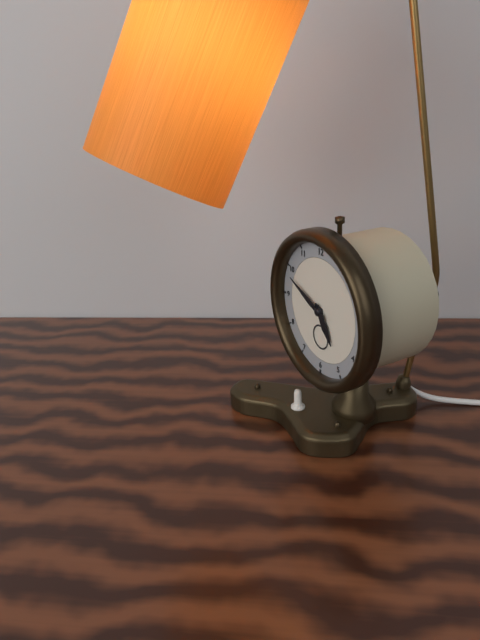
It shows 4h49
